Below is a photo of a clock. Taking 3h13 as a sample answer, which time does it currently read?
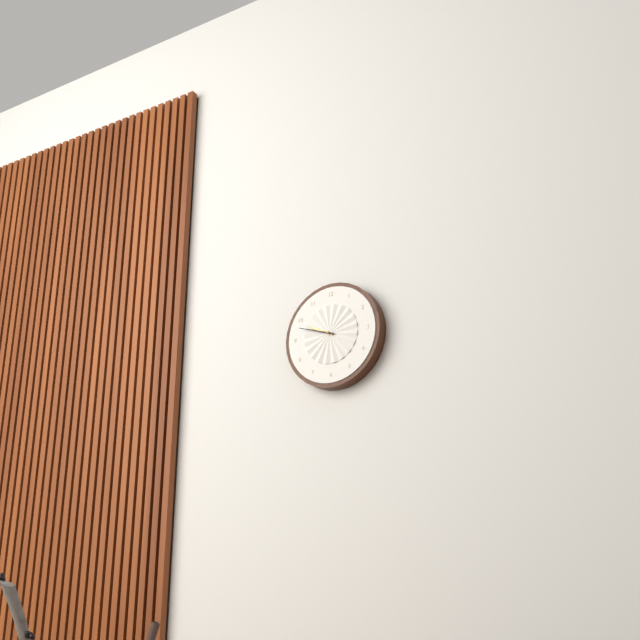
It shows 9h48
